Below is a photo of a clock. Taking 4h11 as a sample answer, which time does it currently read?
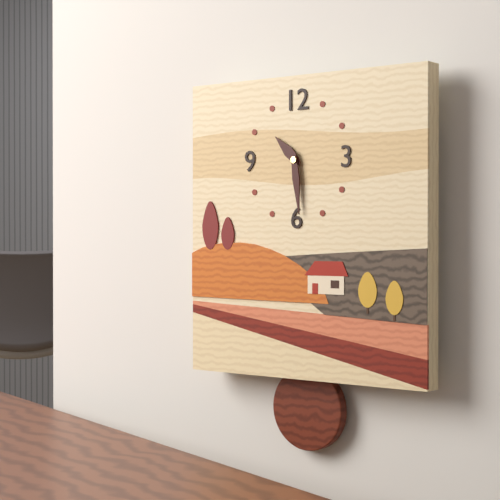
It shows 10h29
